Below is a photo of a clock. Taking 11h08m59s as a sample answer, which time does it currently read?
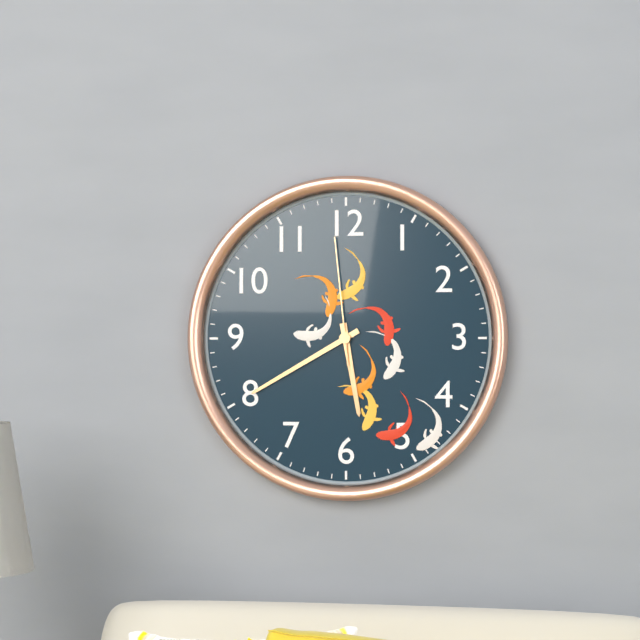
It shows 5h40m59s
